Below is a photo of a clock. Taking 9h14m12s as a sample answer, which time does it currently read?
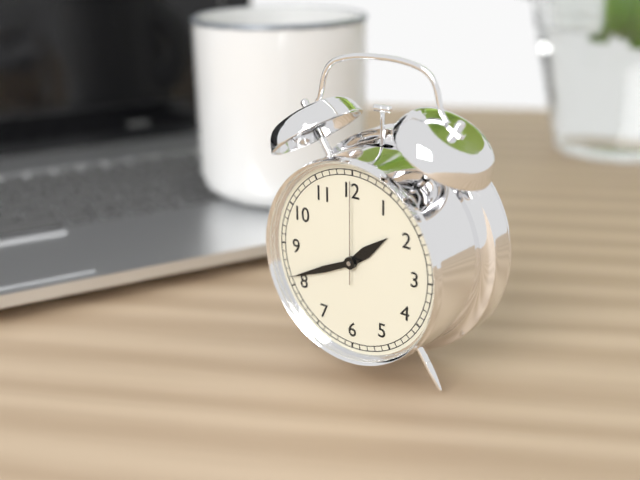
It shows 1h41m00s
